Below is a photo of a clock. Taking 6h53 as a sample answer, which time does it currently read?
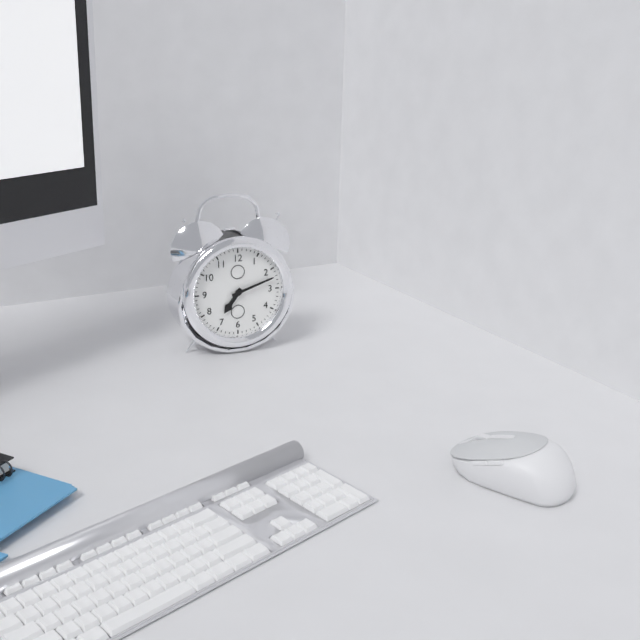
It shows 7h12
